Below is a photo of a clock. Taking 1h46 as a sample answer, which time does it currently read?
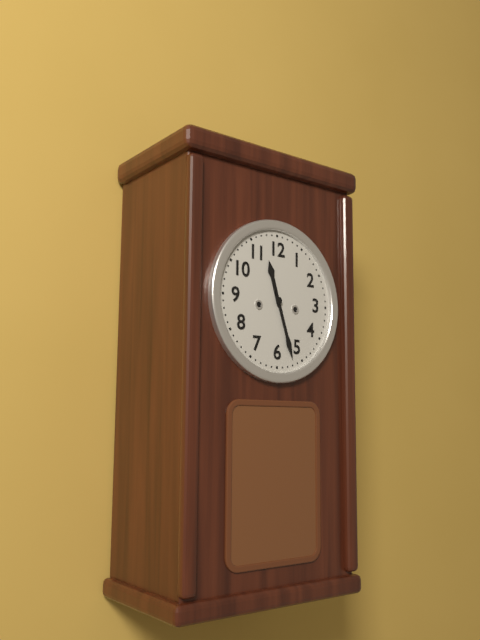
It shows 11h27
